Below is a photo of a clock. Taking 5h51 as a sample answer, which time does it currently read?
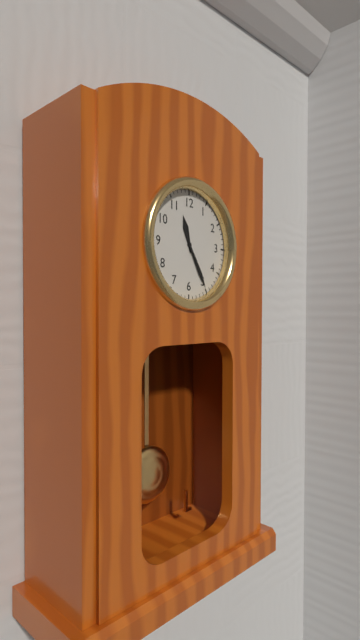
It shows 11h25
